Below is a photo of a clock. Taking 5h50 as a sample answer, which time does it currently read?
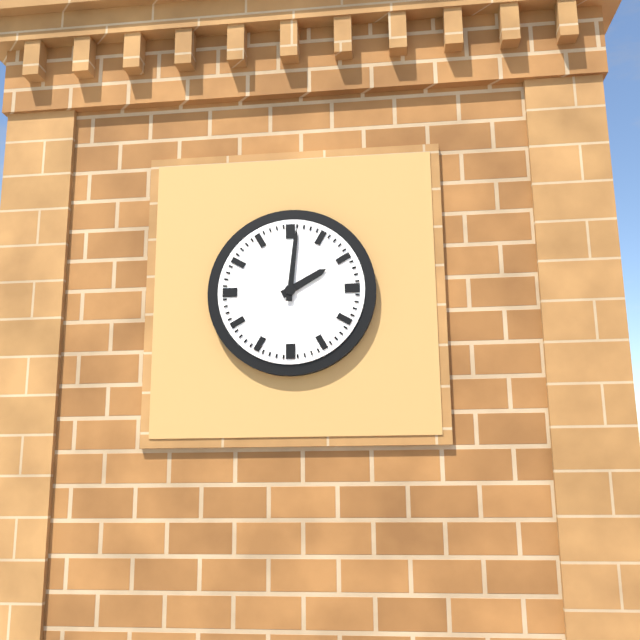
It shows 2h01
